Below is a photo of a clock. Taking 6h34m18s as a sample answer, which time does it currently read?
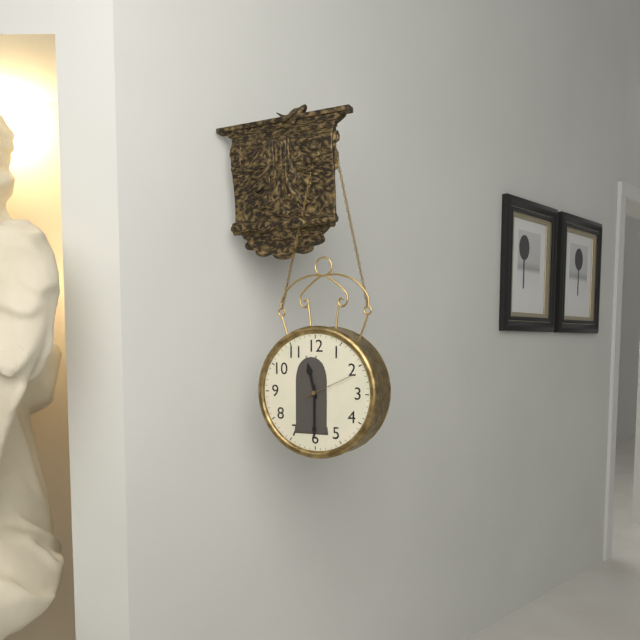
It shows 11h30m11s
